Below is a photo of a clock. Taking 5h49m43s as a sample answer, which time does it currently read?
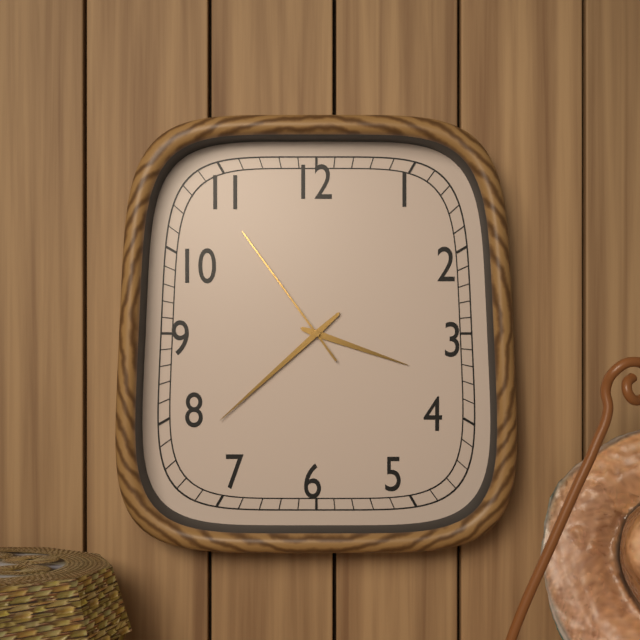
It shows 3h38m54s
